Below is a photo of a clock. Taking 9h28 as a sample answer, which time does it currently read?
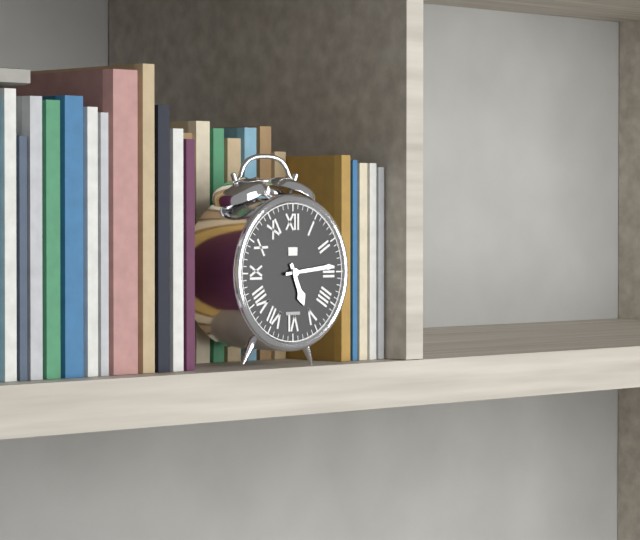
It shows 5h14
